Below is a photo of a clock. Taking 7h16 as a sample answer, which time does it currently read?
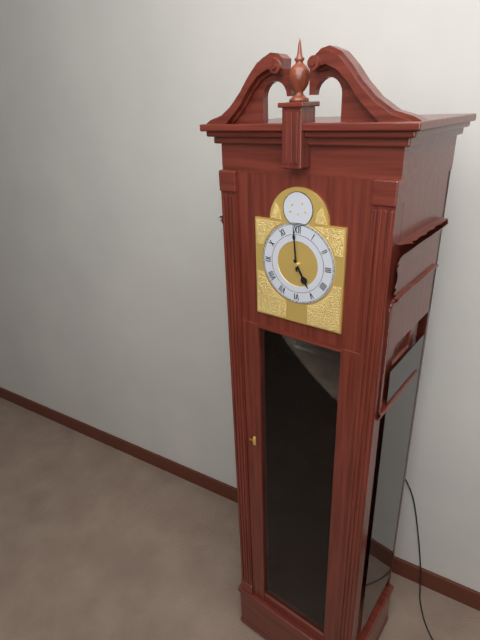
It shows 4h59
